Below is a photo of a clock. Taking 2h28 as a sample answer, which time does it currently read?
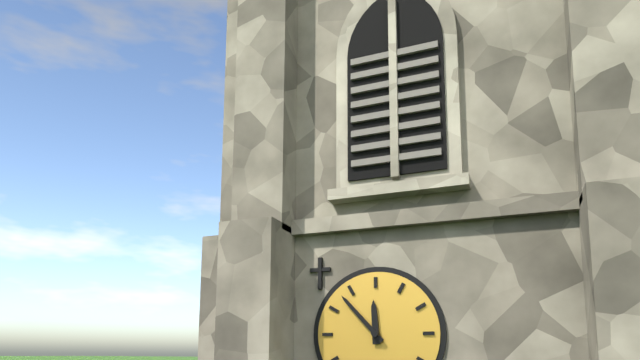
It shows 11h53
